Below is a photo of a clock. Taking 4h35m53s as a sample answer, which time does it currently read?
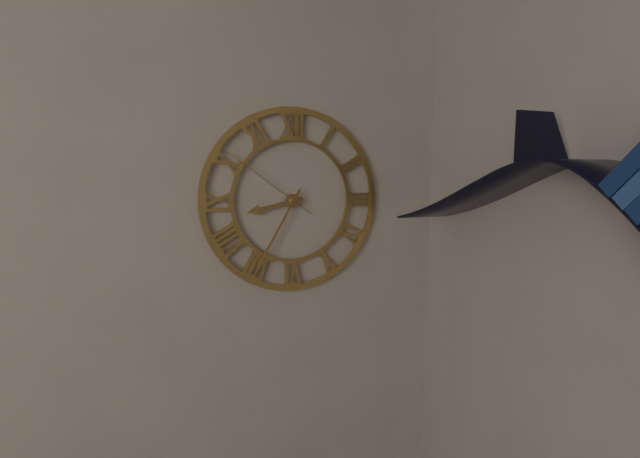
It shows 8h35m51s
